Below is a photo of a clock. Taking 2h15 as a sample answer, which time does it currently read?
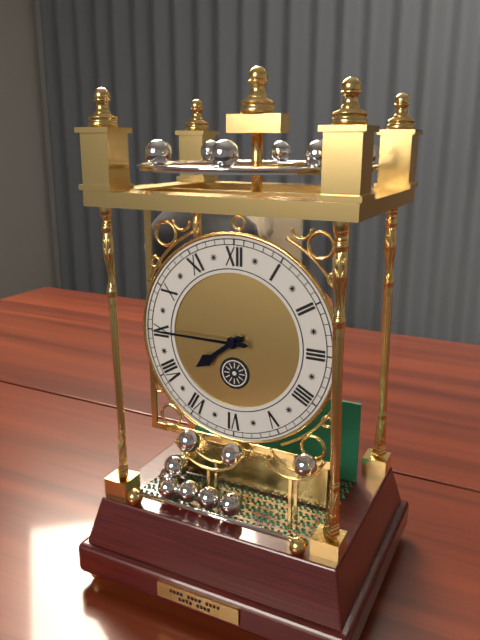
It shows 7h45
